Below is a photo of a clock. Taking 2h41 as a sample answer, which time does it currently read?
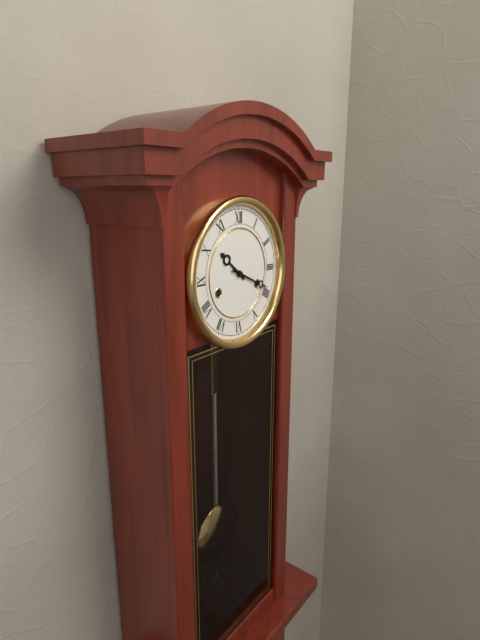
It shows 10h19
